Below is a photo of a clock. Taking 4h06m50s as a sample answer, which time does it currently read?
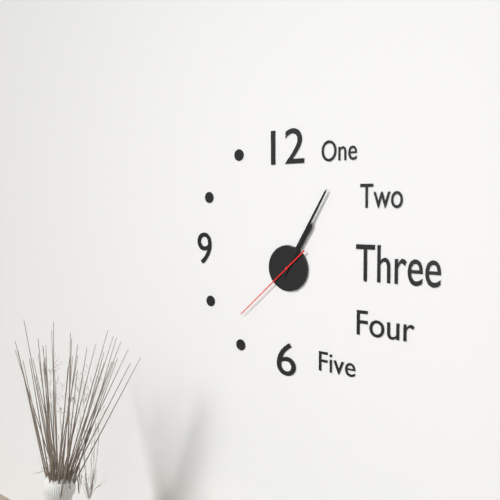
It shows 1h05m38s
